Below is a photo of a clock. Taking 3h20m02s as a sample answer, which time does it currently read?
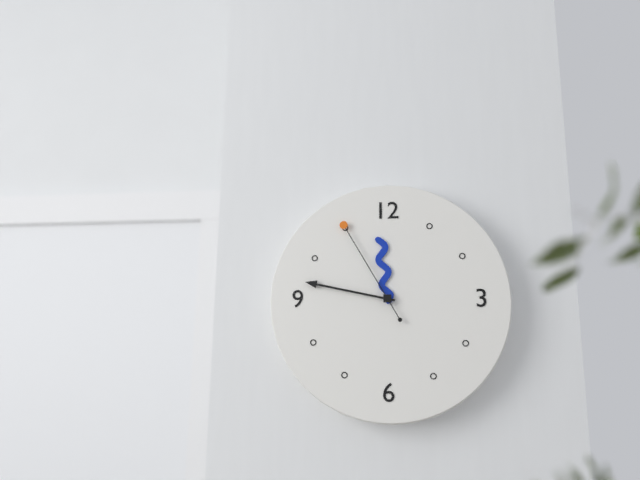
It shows 11h47m55s
